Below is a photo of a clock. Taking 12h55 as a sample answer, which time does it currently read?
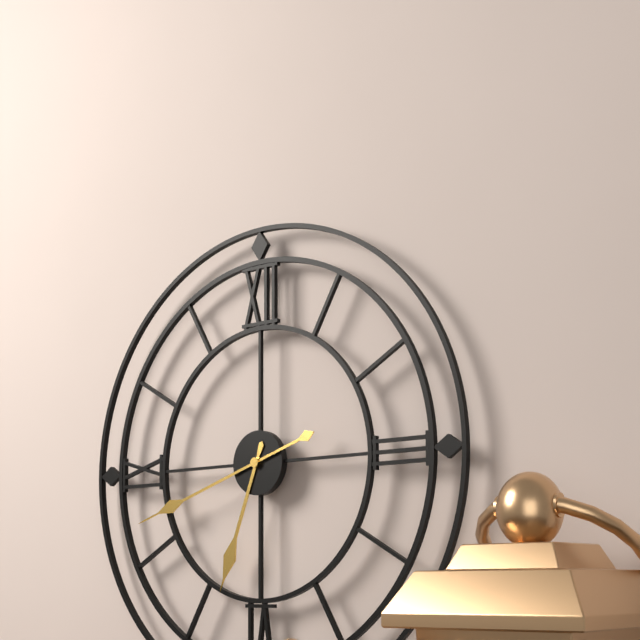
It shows 6h42
